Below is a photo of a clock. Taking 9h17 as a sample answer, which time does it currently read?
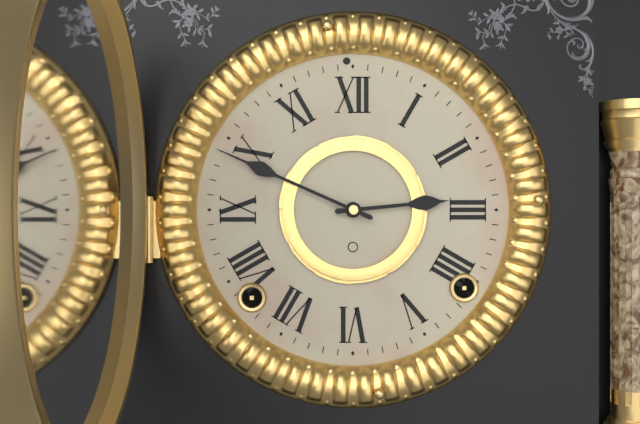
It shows 2h49
